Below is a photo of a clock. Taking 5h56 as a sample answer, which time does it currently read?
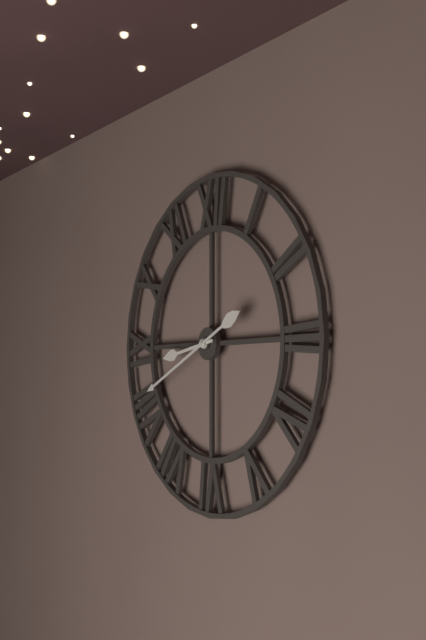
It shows 8h41
